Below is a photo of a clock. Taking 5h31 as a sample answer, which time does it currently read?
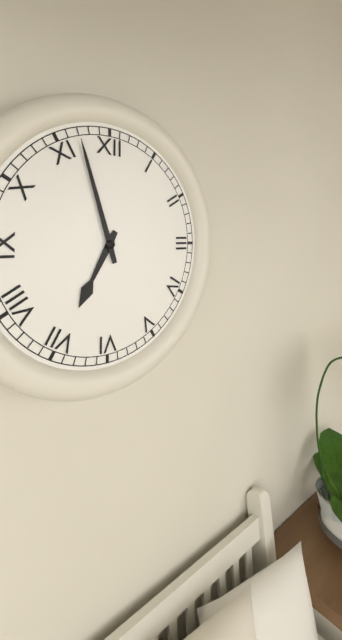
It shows 6h57
